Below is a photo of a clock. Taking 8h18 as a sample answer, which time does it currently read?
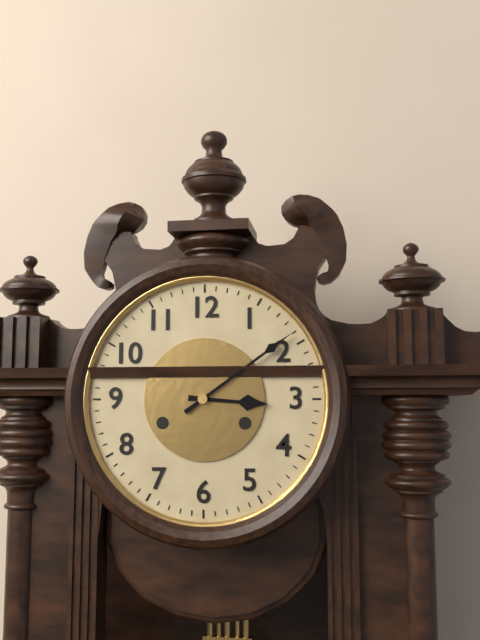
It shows 3h09
